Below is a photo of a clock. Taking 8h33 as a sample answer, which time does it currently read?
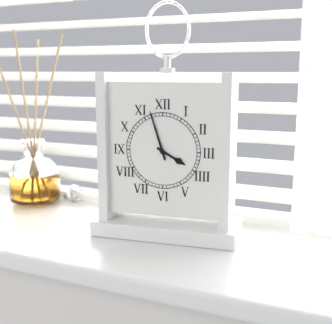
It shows 3h57
